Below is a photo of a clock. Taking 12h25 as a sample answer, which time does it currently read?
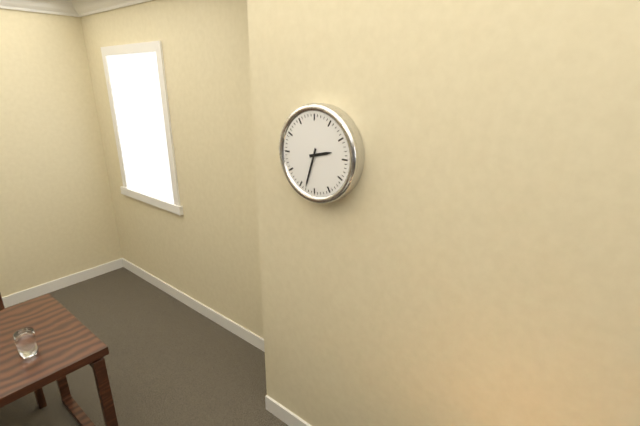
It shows 2h33
